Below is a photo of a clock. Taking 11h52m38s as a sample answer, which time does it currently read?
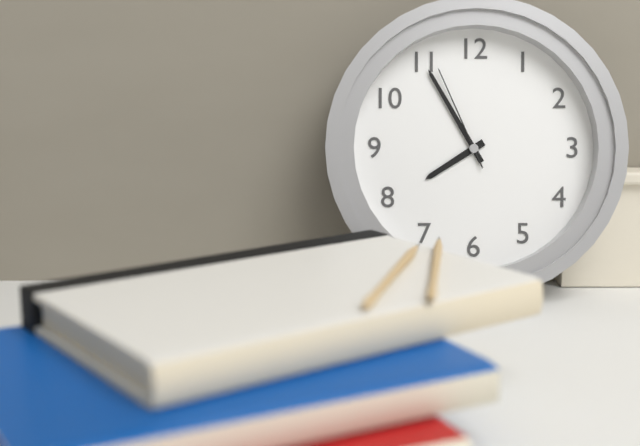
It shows 7h55m56s
